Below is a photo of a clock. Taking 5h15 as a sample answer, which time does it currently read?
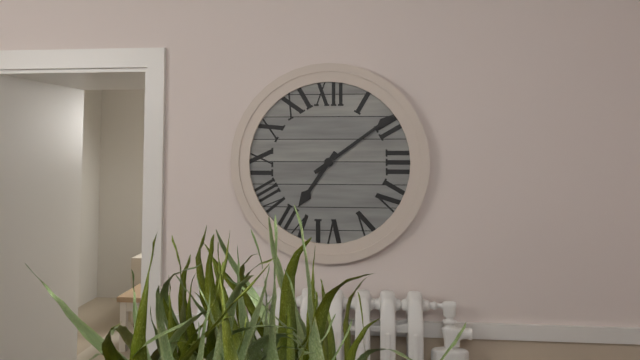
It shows 7h09
